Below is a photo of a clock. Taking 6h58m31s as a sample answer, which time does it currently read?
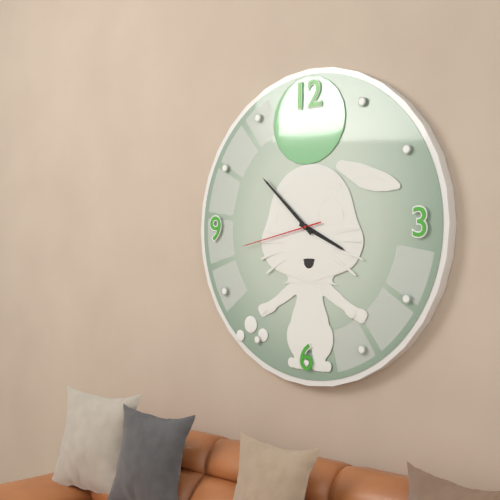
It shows 3h52m43s
